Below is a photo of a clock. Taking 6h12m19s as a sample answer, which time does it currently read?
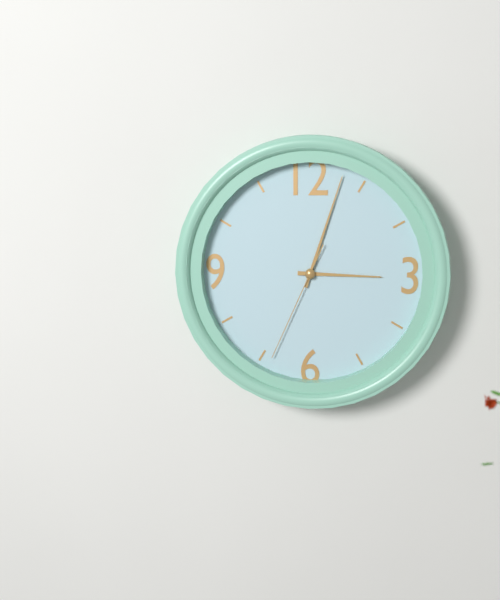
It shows 3h03m34s
